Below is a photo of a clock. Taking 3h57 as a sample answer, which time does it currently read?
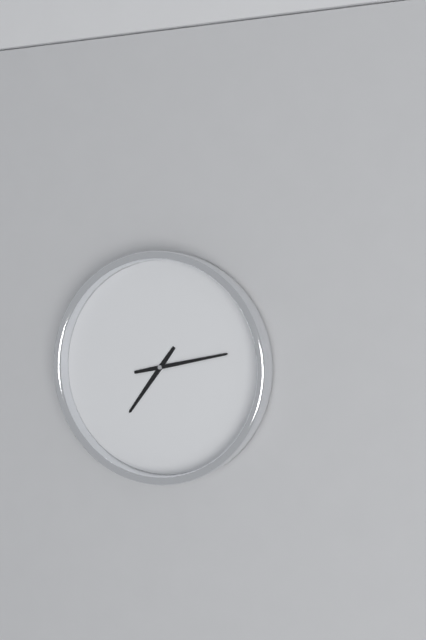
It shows 7h13
